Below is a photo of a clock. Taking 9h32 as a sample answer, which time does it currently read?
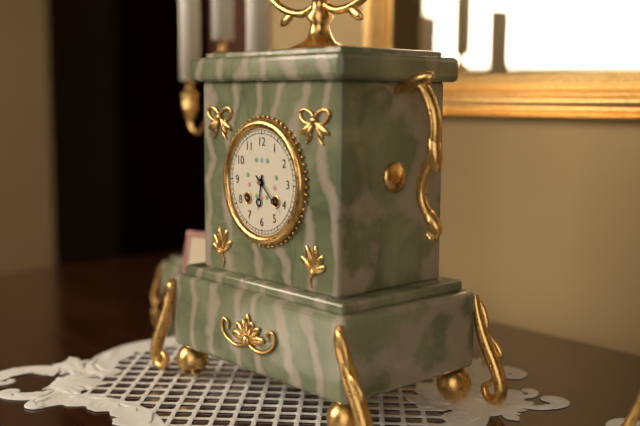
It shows 6h22
